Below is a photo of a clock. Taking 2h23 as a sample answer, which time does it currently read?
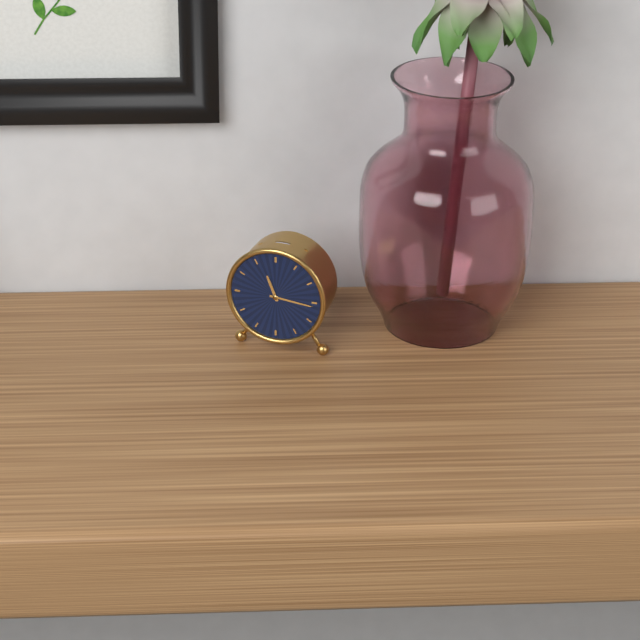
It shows 11h16
